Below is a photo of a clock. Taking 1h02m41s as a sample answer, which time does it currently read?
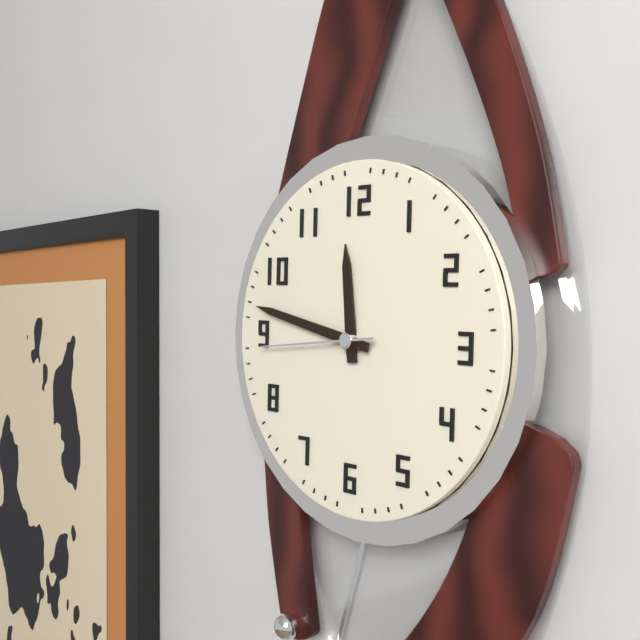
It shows 11h47m44s
